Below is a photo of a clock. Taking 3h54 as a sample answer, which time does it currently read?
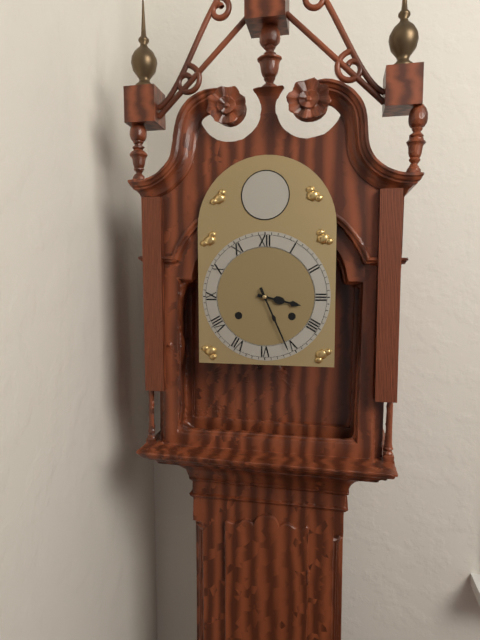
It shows 3h26
